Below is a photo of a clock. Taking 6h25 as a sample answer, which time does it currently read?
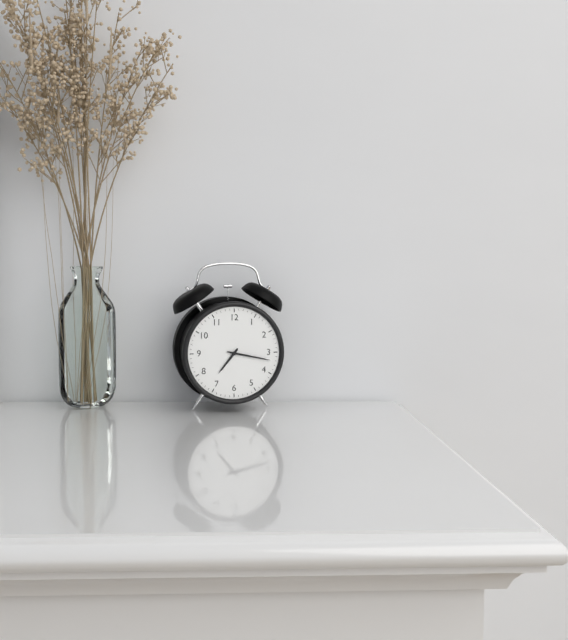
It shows 7h17
